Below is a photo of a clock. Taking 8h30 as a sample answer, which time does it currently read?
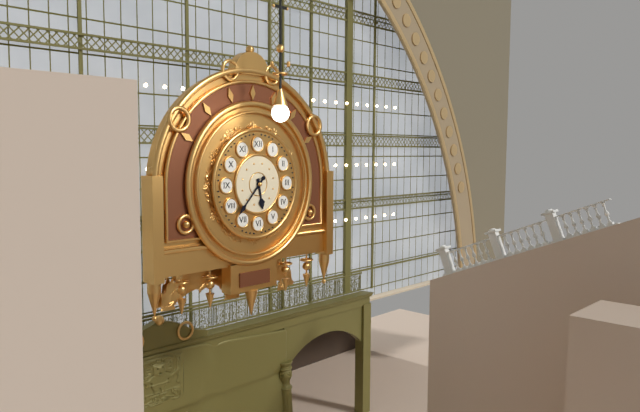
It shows 5h37
